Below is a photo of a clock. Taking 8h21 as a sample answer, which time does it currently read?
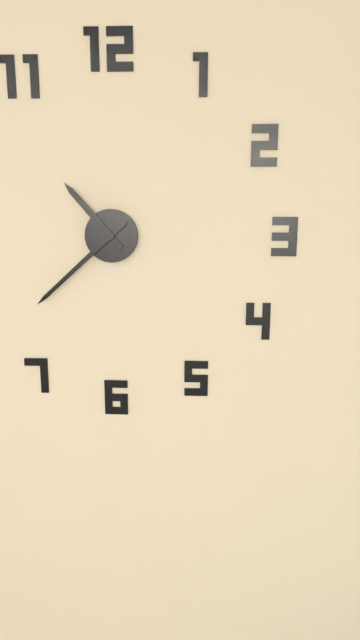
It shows 10h38
